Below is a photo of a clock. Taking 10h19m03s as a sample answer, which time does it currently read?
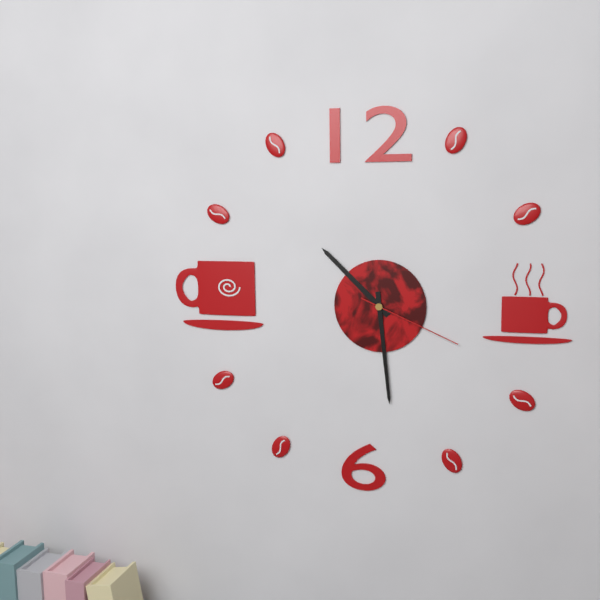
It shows 10h29m19s
